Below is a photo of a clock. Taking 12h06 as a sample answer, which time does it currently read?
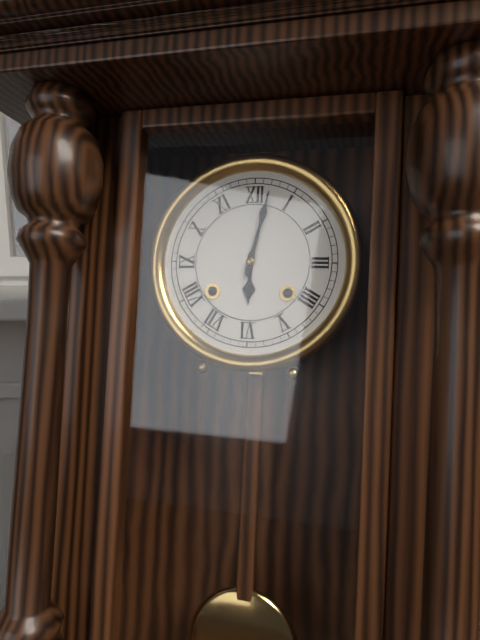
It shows 6h02
